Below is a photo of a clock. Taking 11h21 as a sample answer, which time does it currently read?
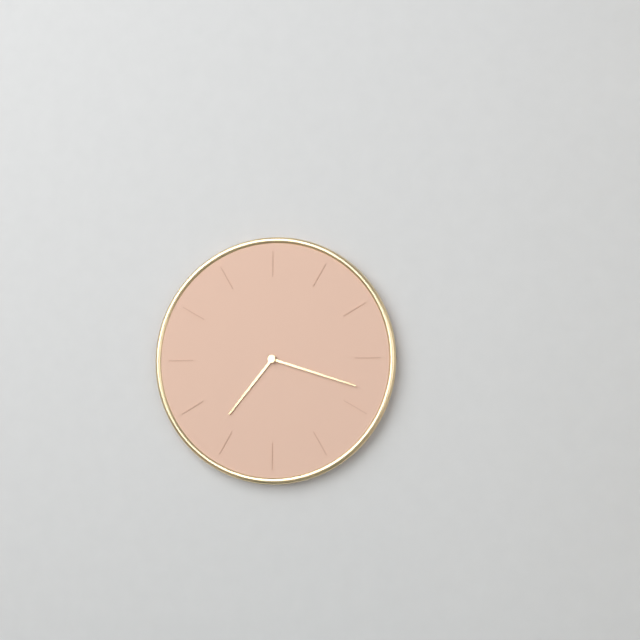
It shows 7h18
